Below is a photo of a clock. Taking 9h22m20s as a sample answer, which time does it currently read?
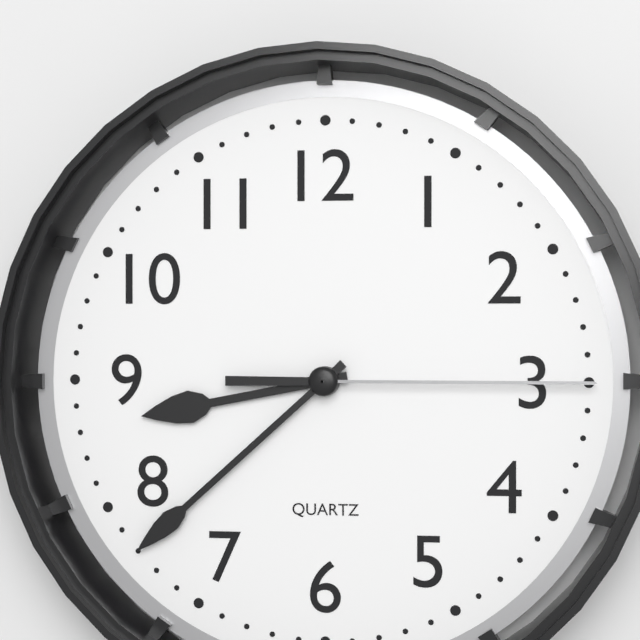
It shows 8h38m15s
